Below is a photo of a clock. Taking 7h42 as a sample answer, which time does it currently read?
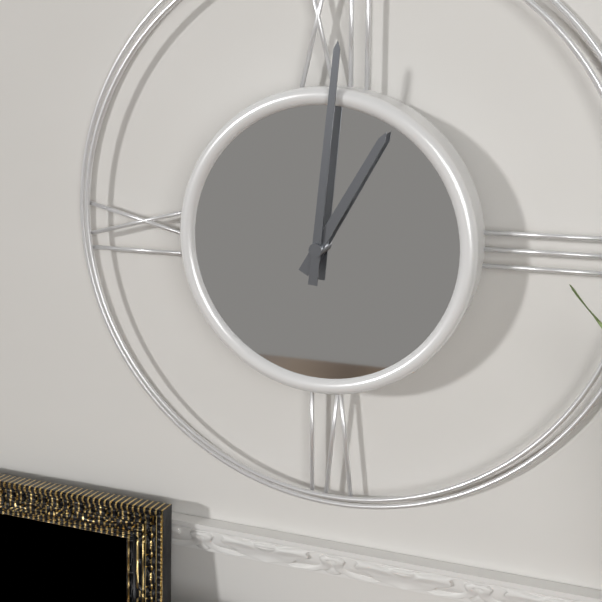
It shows 1h01
